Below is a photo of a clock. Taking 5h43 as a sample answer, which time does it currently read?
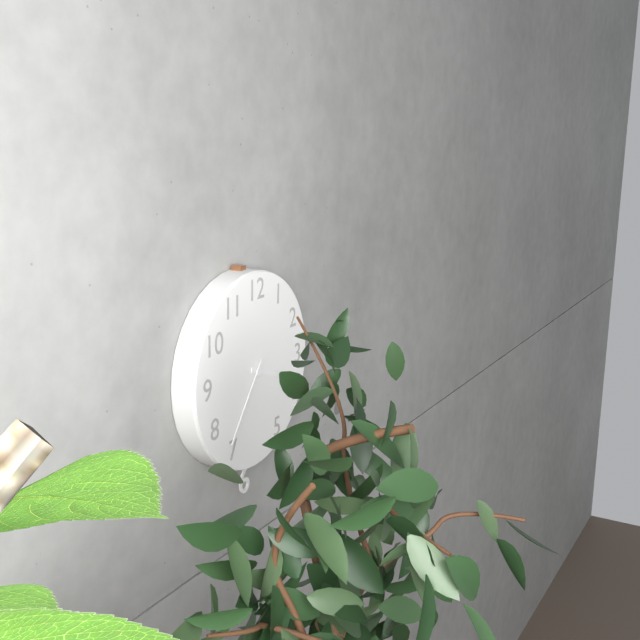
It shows 3h36
